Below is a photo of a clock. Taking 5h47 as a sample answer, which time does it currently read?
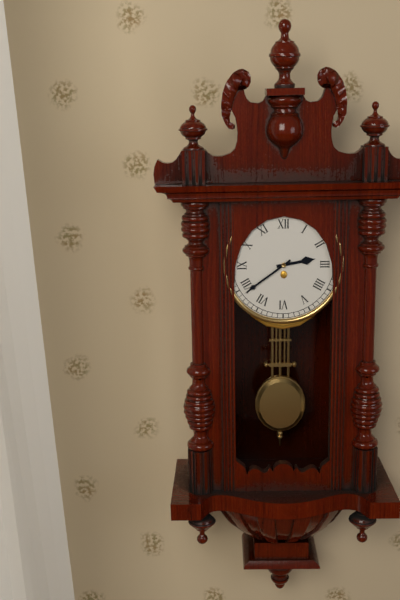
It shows 2h39
